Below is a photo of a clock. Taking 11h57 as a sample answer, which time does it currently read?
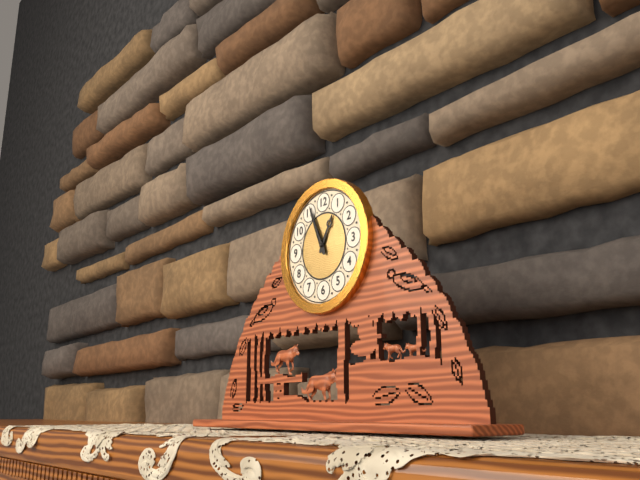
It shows 12h56
